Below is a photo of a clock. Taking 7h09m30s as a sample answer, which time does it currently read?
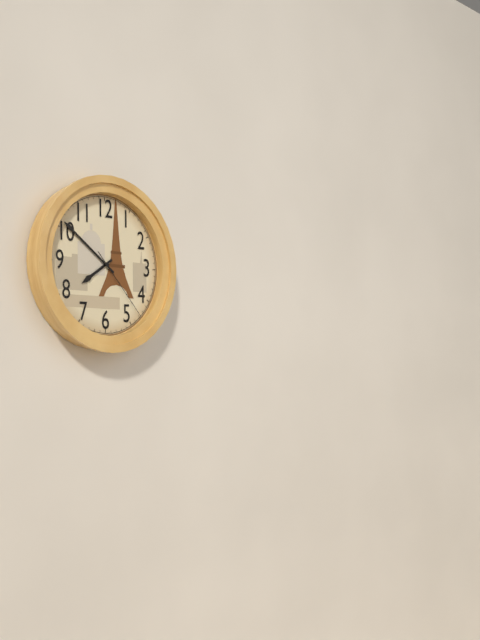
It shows 7h51m23s
